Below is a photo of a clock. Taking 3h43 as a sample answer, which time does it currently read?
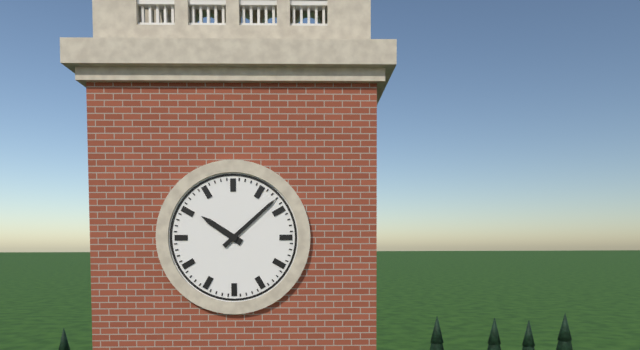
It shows 10h08
